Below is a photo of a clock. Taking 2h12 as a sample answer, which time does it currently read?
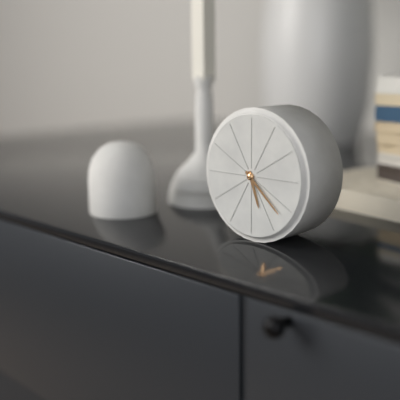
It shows 5h22
